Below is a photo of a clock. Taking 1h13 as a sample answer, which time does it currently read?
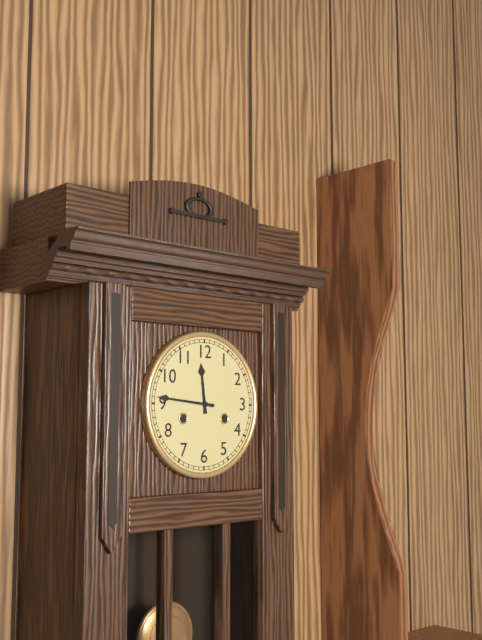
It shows 11h46
